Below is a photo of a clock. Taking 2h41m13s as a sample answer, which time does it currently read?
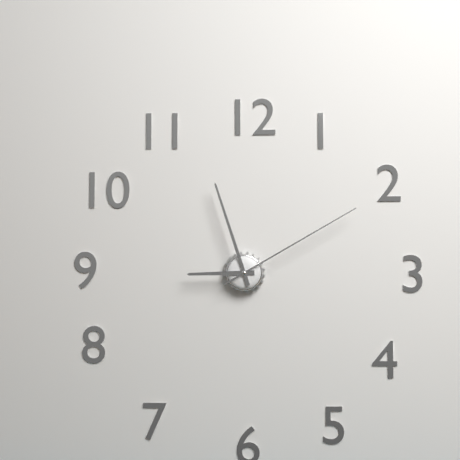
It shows 8h57m10s
